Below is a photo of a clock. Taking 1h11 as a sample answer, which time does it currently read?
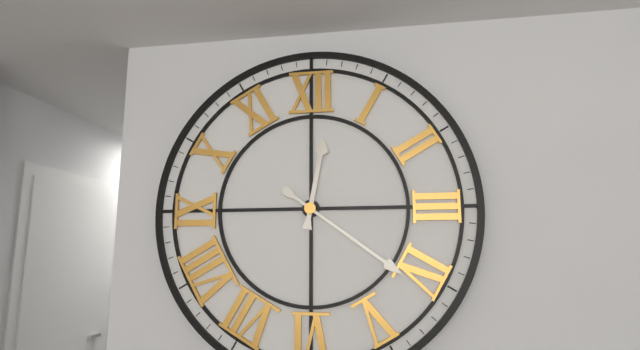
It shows 12h21
